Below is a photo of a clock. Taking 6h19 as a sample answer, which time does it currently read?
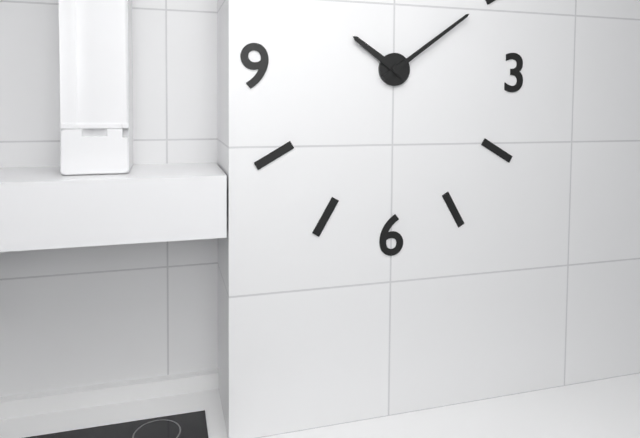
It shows 10h09
